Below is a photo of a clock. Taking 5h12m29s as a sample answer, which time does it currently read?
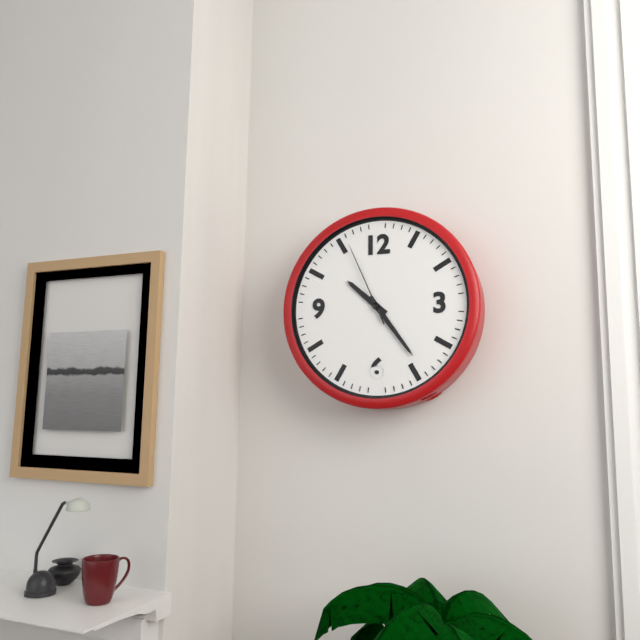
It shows 10h24m56s
